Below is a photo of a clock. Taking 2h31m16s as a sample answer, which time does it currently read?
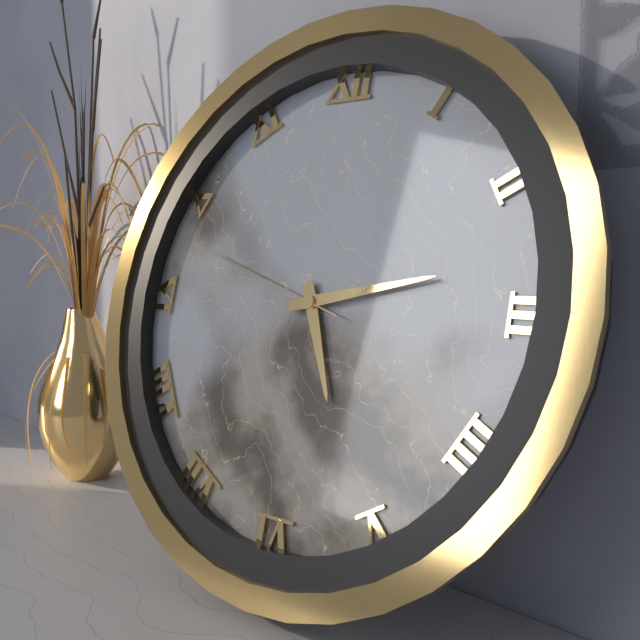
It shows 5h13m48s
